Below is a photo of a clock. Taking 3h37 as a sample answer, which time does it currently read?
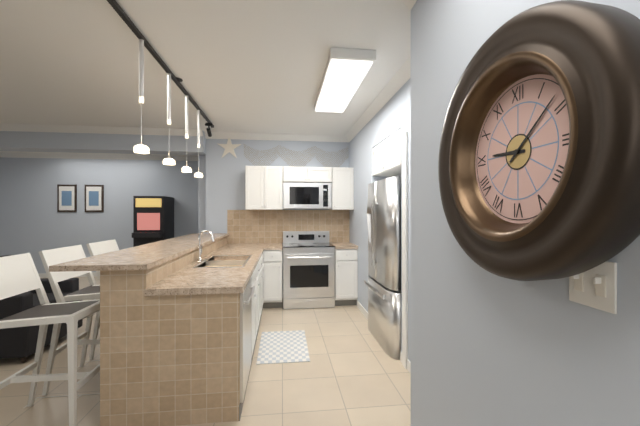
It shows 9h08
